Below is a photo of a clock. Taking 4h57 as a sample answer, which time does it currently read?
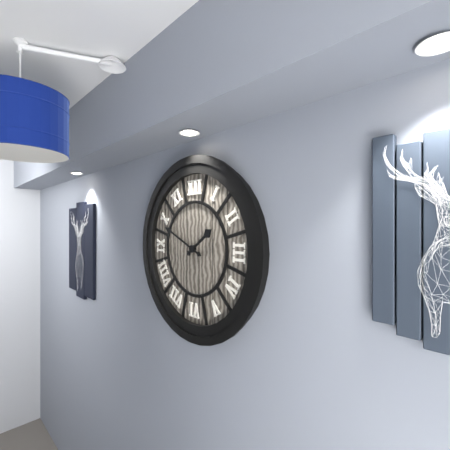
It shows 1h49
